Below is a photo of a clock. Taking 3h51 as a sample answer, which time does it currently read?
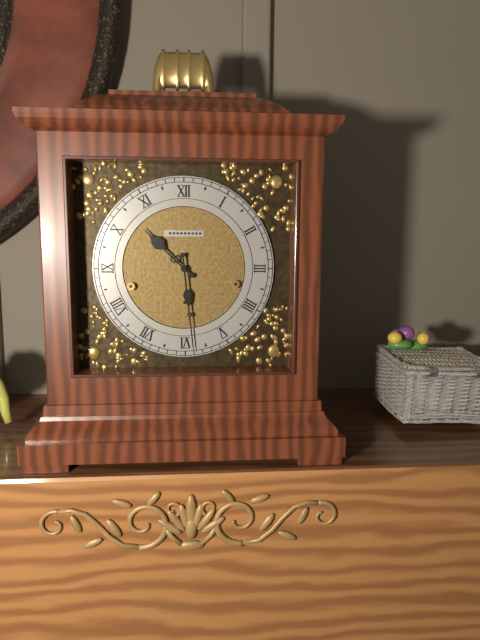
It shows 10h29
